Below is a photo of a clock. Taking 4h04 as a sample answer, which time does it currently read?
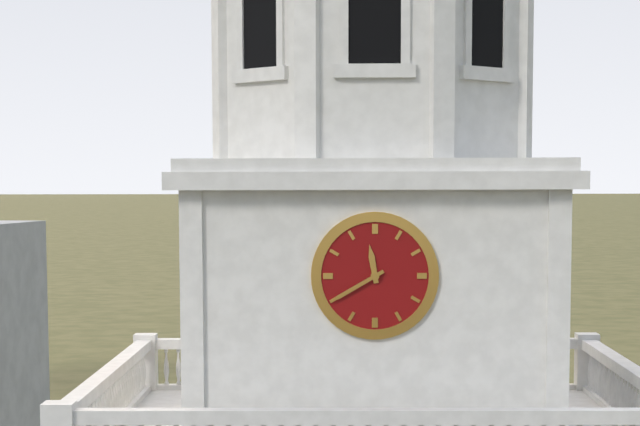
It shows 11h40
